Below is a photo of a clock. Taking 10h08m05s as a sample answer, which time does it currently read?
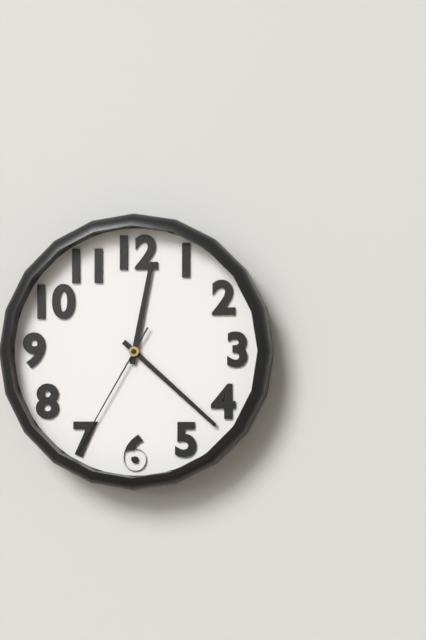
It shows 12h22m35s
